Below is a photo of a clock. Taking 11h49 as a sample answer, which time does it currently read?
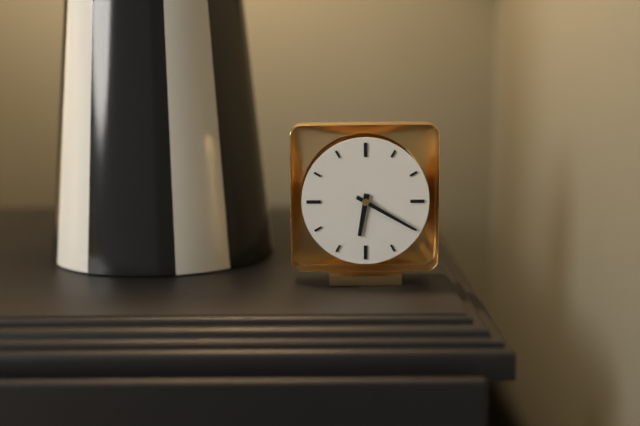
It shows 6h20
